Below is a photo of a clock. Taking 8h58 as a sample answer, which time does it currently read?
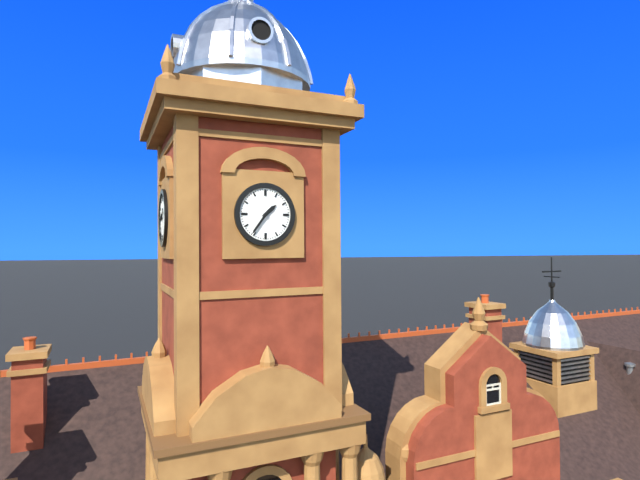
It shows 1h36
